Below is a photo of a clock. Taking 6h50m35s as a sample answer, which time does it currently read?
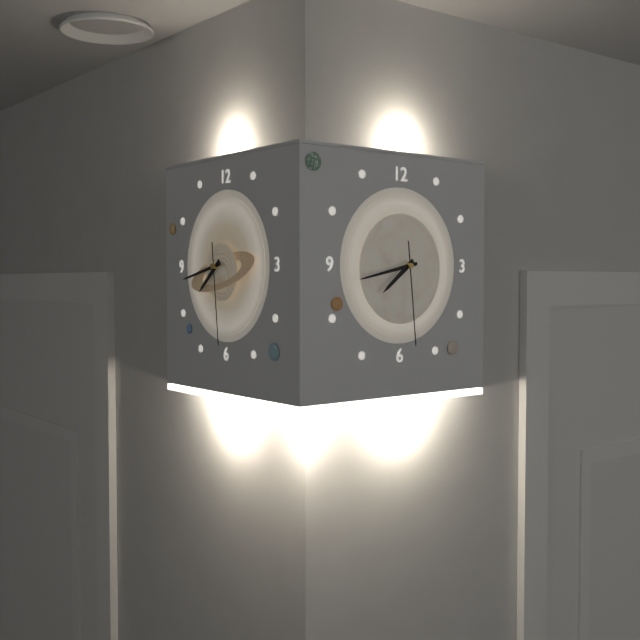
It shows 7h43m29s
